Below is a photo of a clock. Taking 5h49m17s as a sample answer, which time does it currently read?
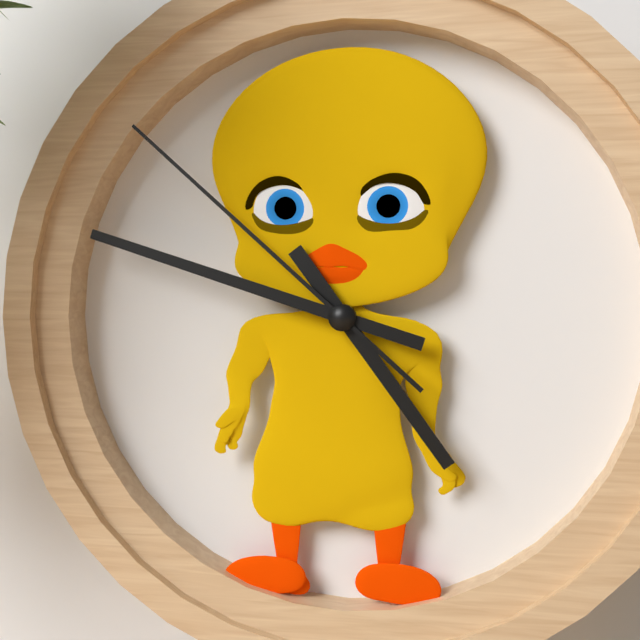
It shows 4h48m52s
